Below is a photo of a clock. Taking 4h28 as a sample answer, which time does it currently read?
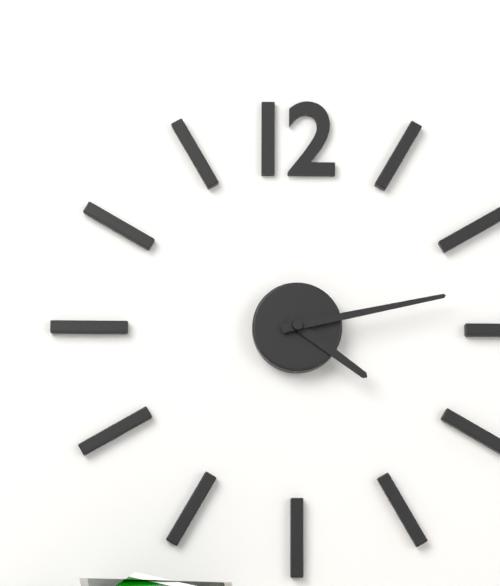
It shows 4h13
